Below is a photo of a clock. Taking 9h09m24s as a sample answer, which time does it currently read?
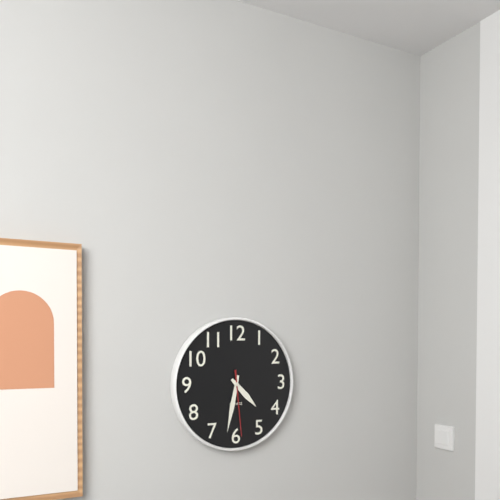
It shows 4h32m29s
